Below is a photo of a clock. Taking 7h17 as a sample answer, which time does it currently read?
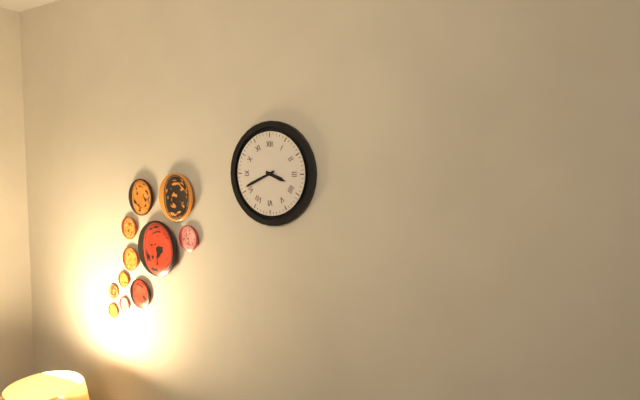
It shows 3h41
